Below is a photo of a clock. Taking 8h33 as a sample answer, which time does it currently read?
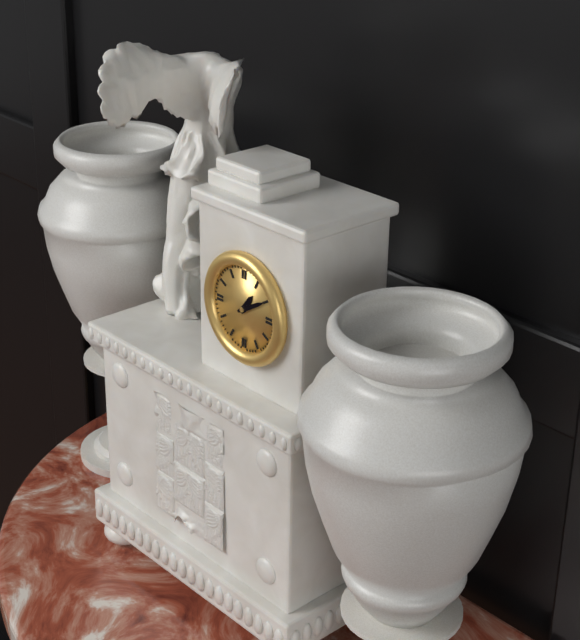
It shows 1h10
